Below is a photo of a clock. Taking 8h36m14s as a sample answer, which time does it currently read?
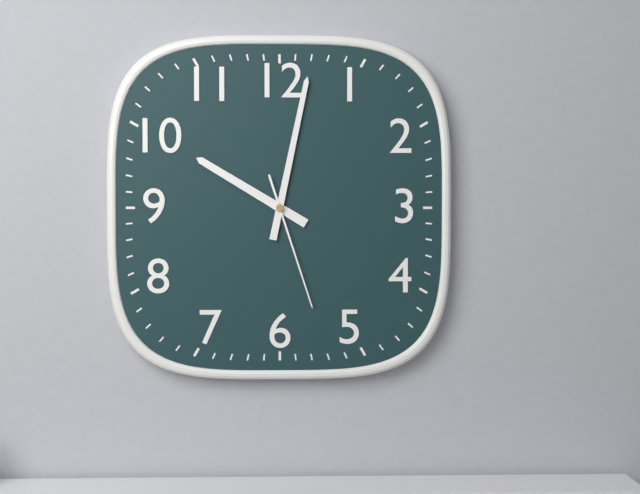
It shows 10h02m27s
